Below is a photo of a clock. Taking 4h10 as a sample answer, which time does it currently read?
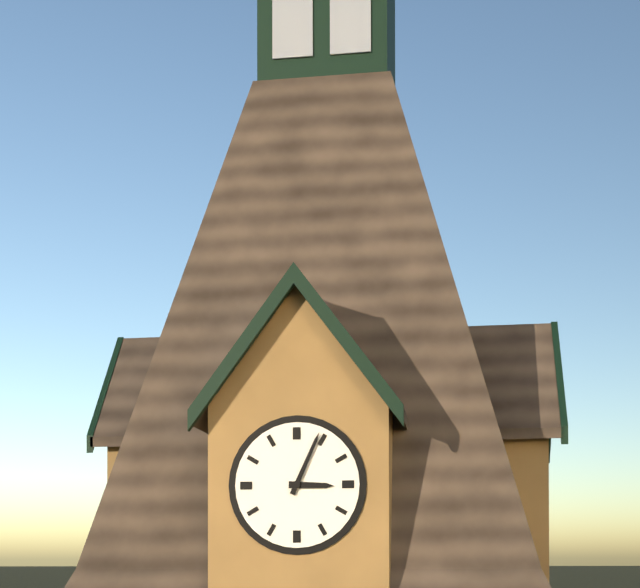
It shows 3h04
